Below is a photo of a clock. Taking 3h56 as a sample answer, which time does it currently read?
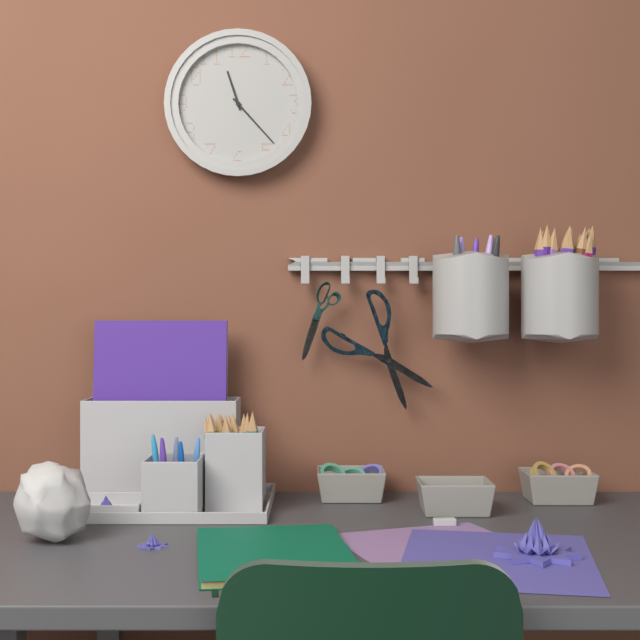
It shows 11h23
